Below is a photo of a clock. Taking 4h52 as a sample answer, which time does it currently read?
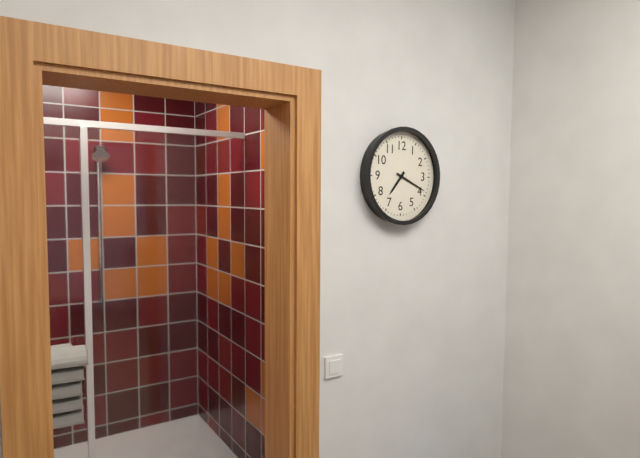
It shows 7h19
